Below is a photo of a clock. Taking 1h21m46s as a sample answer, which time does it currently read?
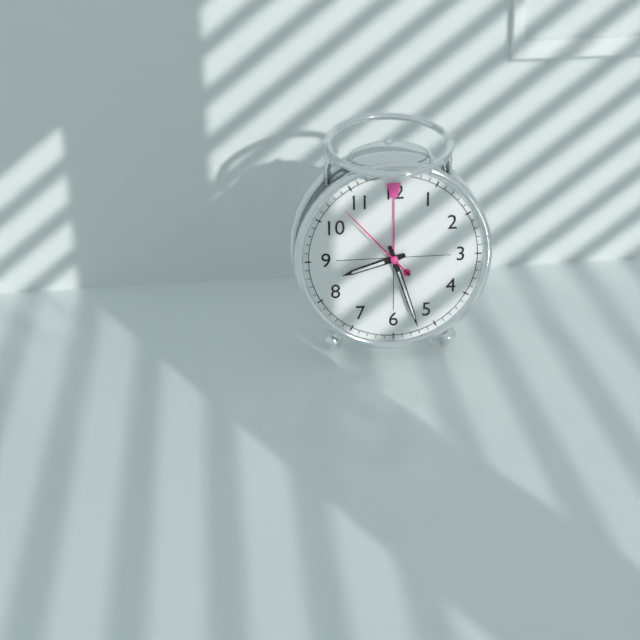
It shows 8h27m53s
